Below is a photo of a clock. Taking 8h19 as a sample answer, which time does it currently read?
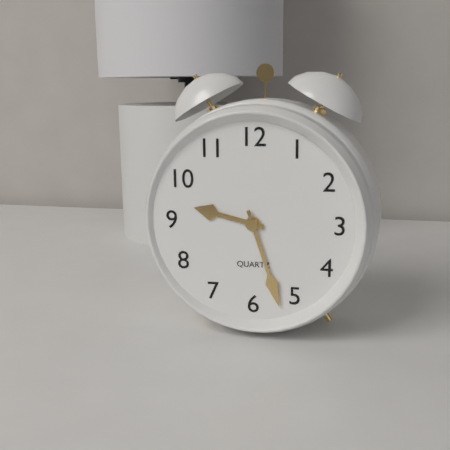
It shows 9h27
